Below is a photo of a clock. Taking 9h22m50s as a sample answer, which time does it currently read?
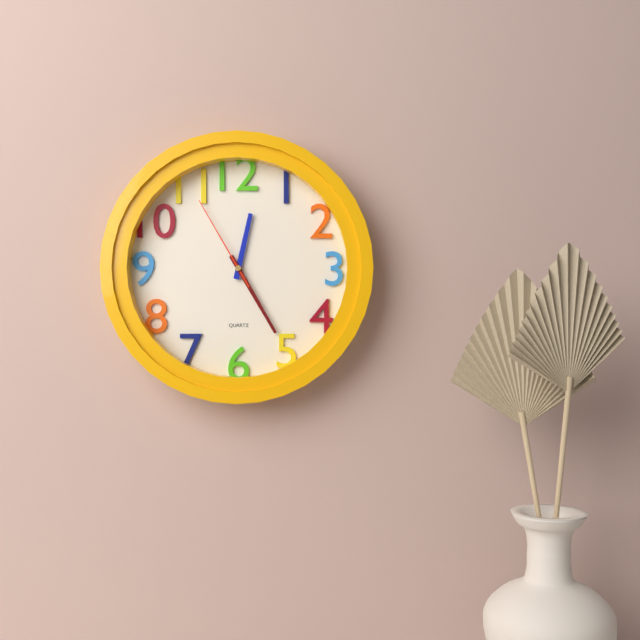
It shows 12h25m55s
